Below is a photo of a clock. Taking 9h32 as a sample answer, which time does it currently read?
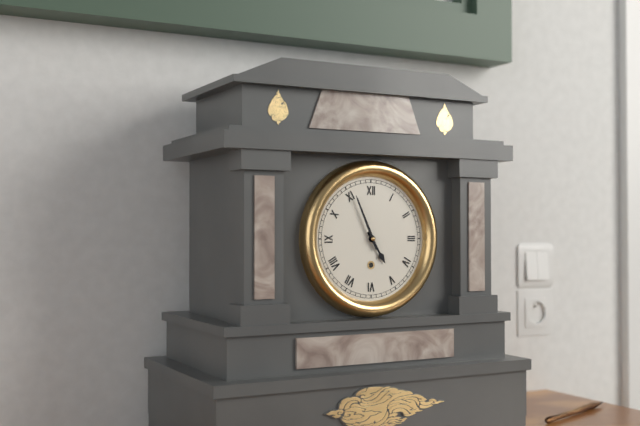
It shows 4h56
